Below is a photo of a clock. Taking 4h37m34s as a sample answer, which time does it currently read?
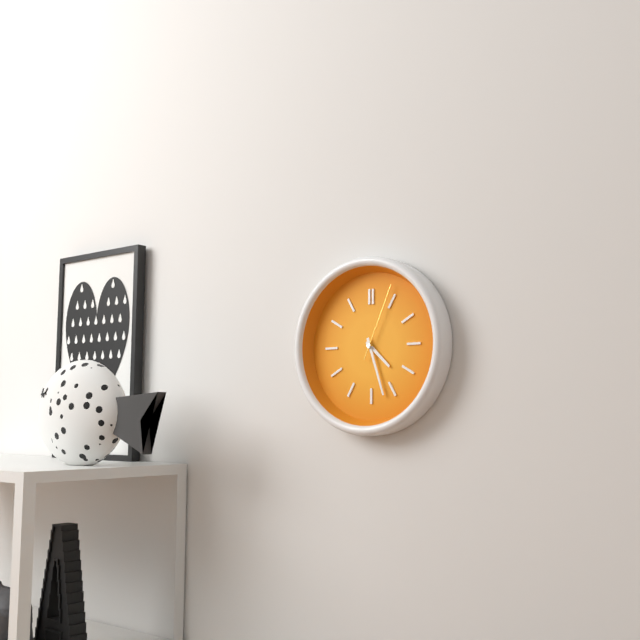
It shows 4h27m04s
